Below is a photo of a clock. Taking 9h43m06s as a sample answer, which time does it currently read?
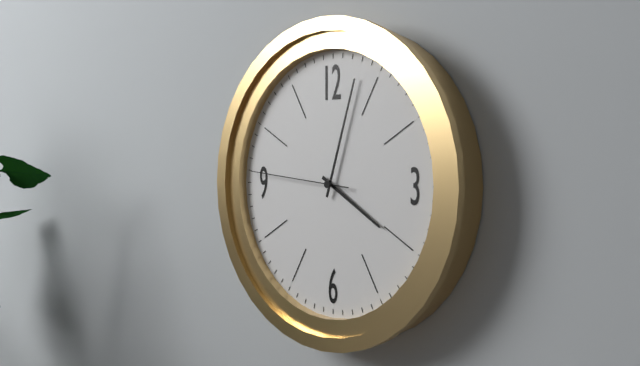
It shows 4h03m46s
